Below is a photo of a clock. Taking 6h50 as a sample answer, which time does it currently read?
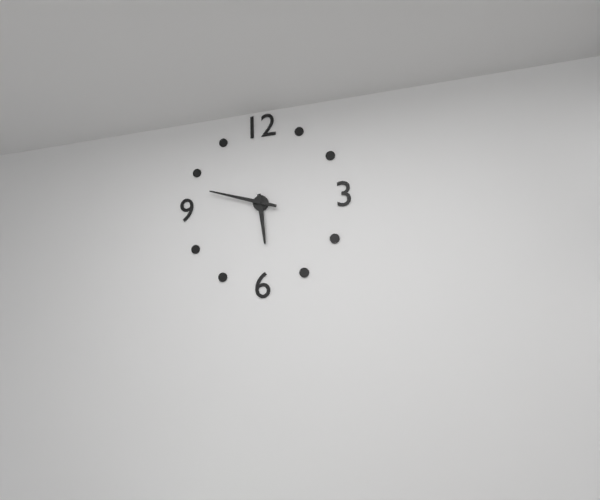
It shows 5h48
